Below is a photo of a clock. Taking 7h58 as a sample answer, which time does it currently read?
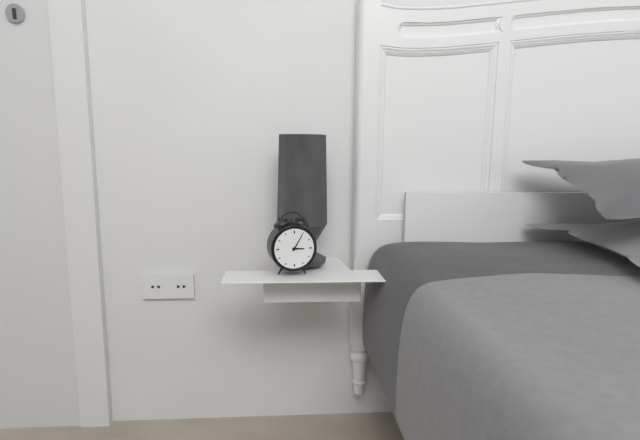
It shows 3h05
